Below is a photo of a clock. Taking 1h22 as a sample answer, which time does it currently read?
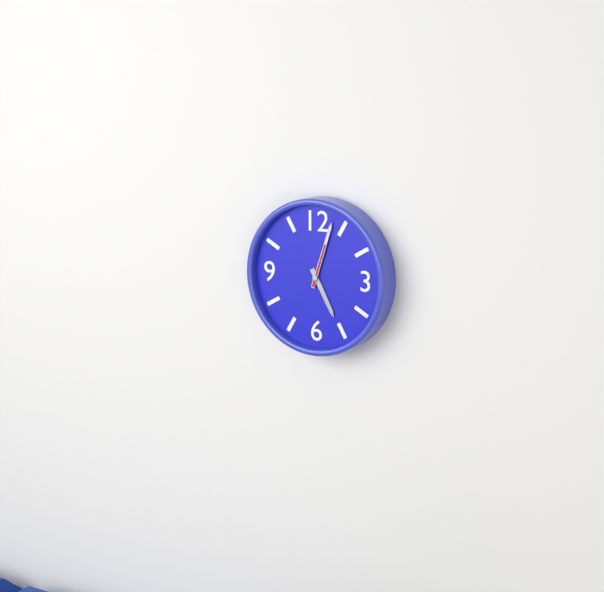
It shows 5h03
